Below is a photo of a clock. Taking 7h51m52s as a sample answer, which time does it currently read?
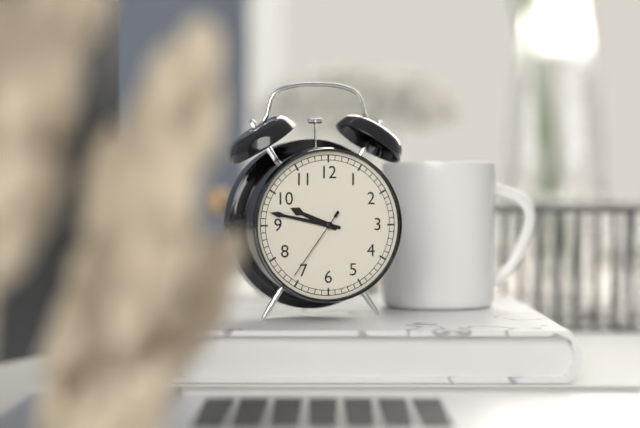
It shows 9h47m36s
